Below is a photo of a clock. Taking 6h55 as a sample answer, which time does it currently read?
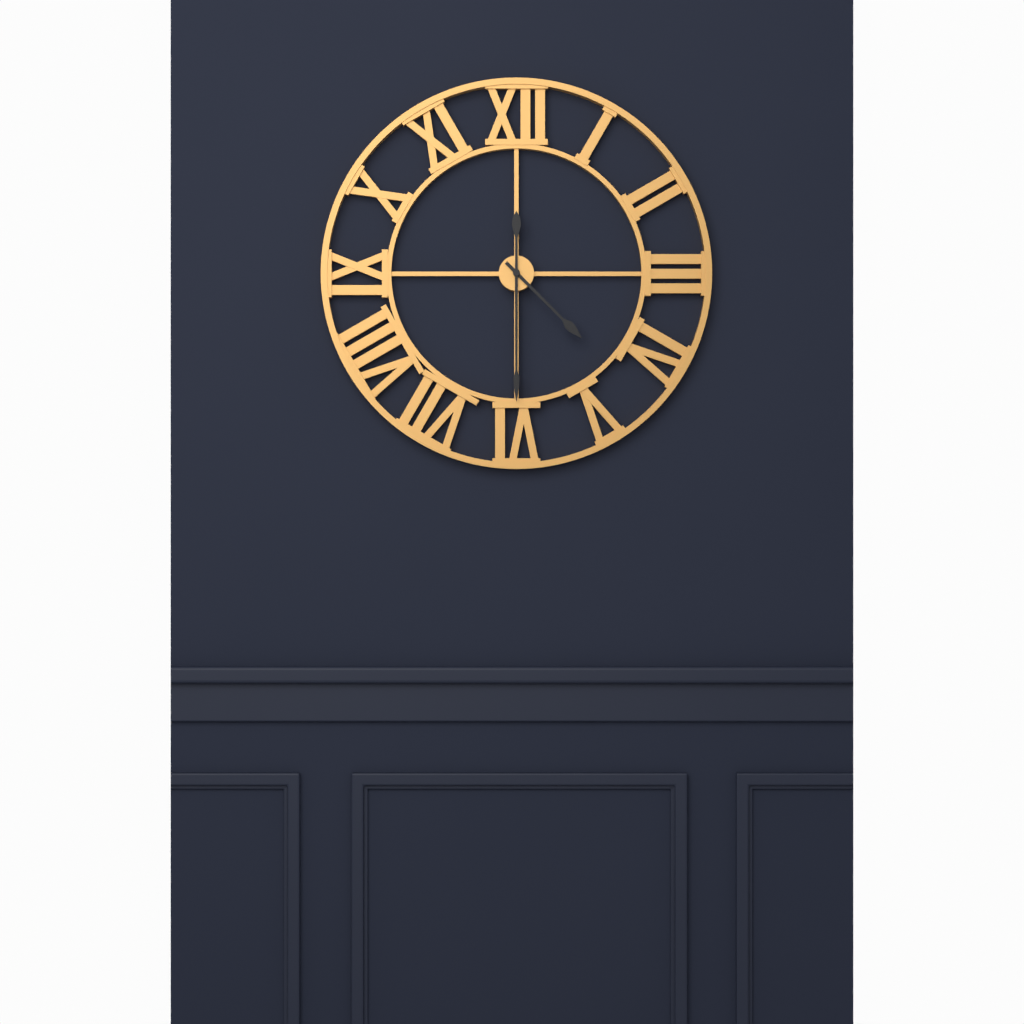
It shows 4h30
